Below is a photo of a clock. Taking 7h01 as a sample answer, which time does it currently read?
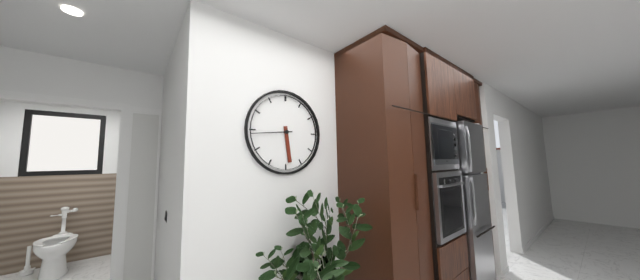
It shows 5h44
